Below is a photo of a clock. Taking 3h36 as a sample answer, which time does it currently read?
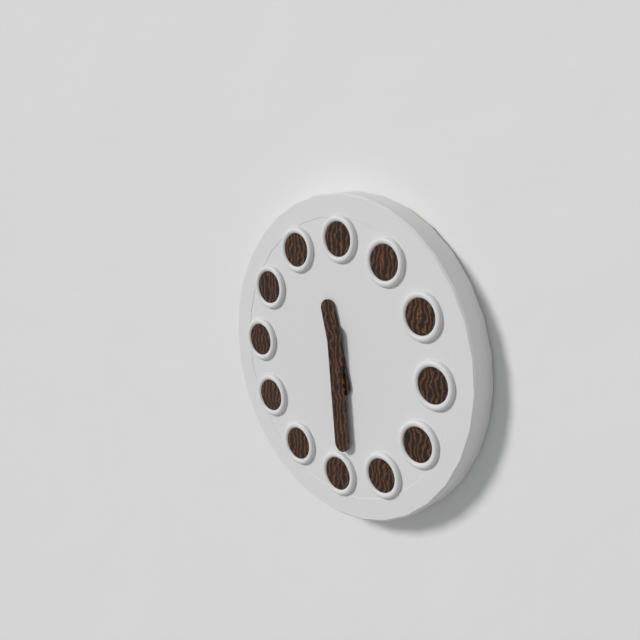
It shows 11h29
